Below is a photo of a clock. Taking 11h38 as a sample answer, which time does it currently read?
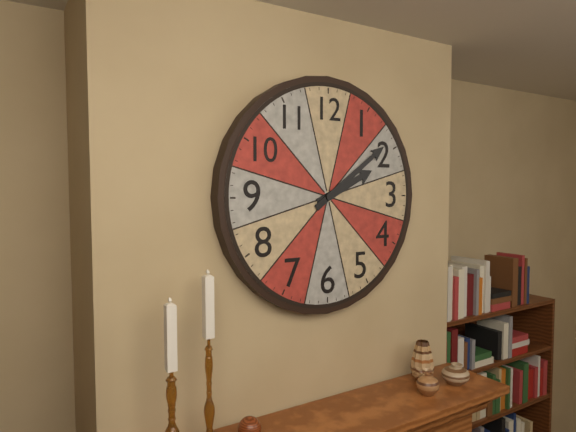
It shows 2h09
